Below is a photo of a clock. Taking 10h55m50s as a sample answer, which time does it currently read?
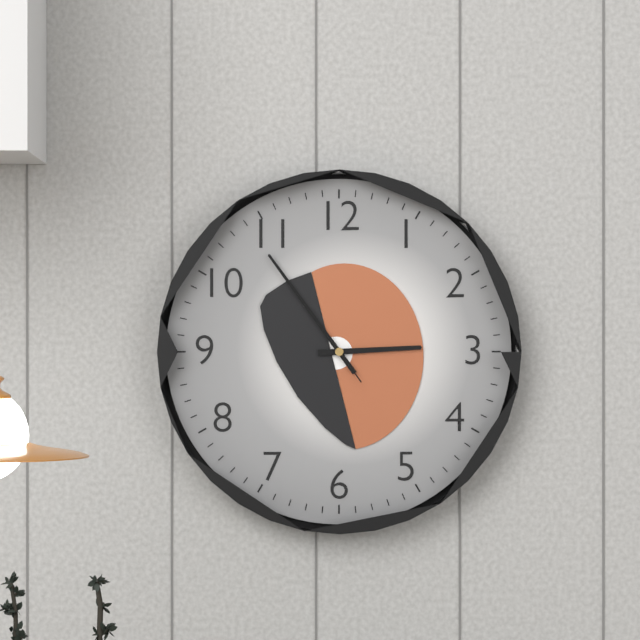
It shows 2h54m54s
